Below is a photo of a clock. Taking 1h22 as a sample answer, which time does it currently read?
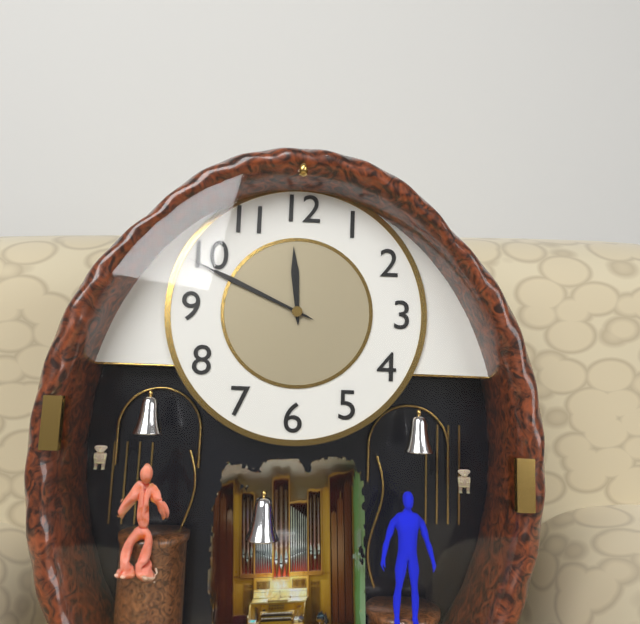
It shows 11h49
